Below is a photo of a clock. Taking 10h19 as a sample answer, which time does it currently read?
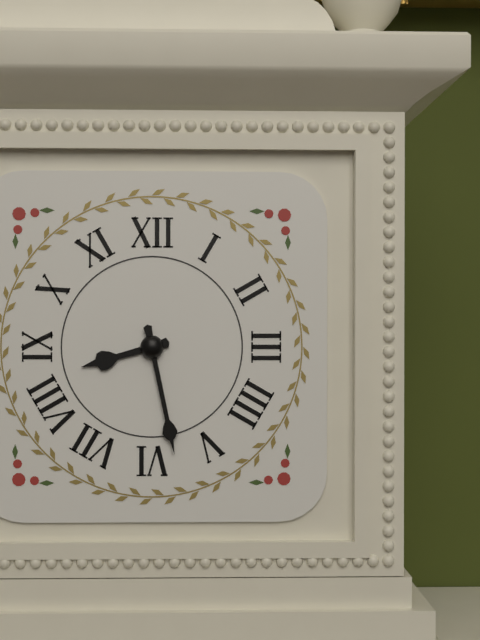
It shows 8h28
